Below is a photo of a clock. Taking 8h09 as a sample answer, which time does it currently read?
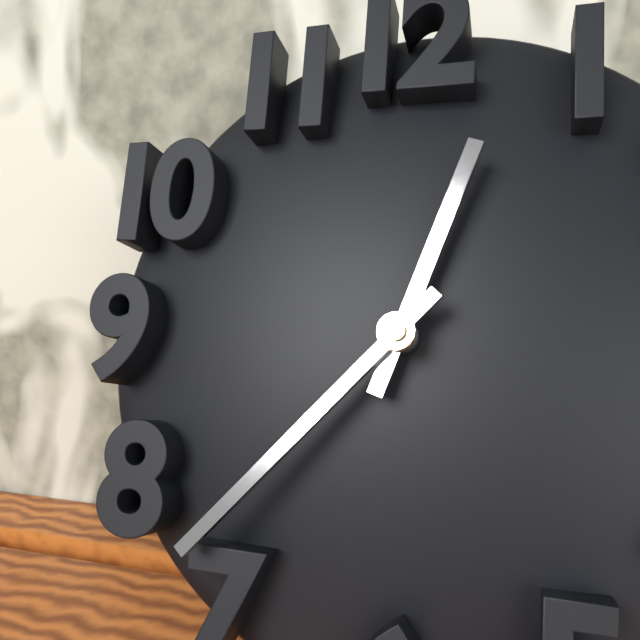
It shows 12h37
